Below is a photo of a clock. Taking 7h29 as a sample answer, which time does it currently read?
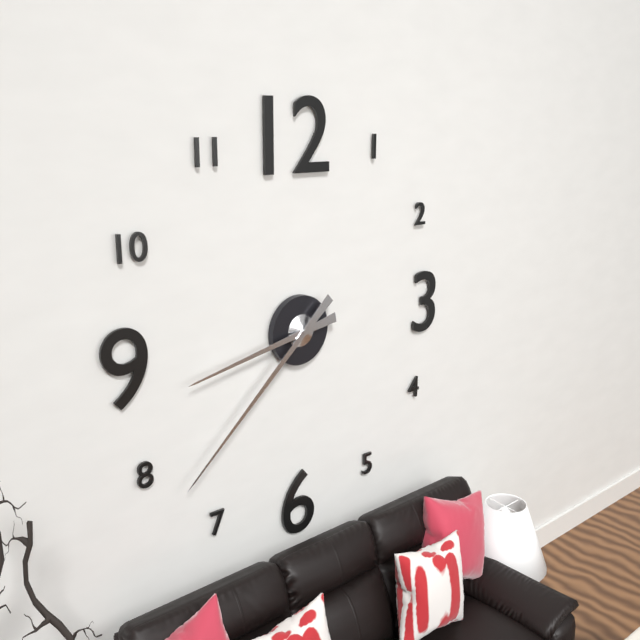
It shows 8h38
